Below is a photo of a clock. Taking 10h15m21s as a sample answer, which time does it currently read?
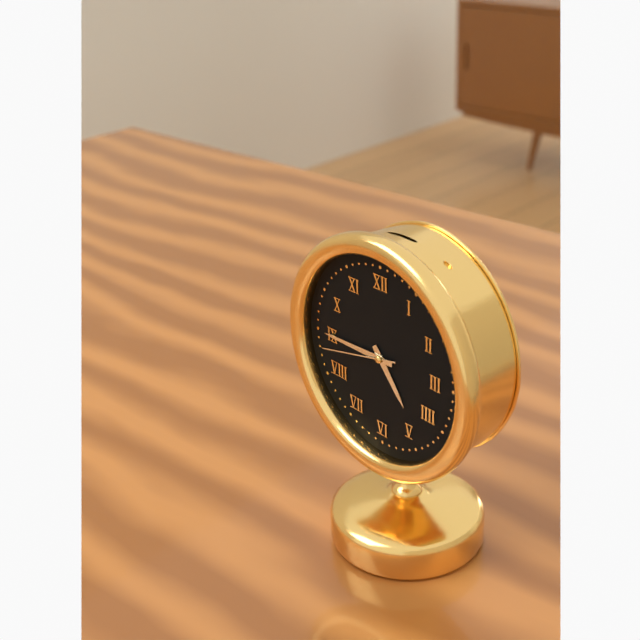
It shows 4h45m43s
